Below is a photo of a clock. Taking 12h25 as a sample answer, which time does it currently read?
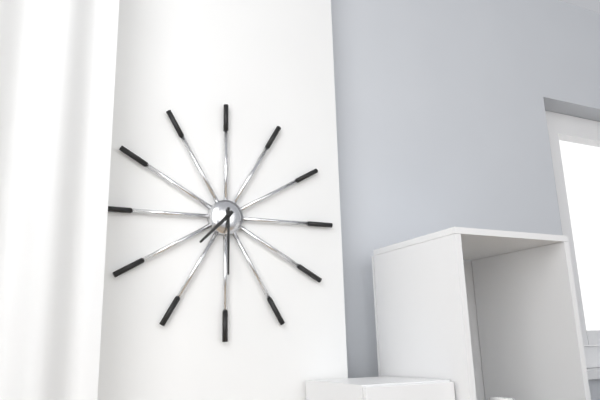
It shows 7h30
